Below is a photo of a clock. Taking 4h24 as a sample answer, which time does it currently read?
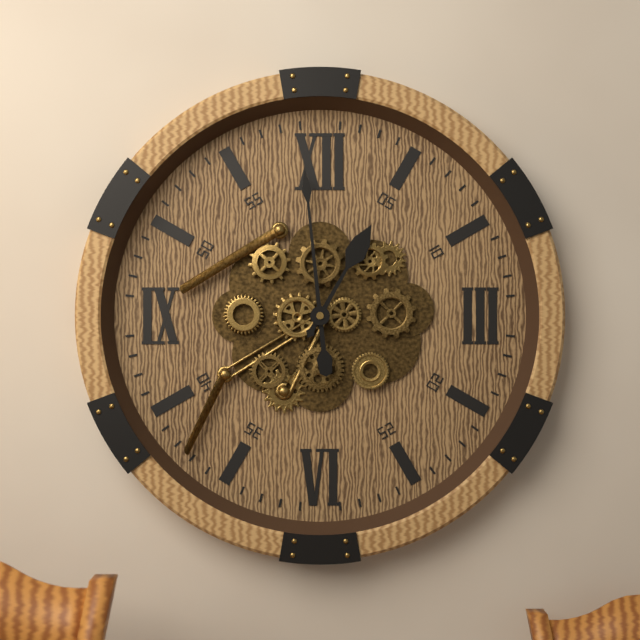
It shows 12h59
